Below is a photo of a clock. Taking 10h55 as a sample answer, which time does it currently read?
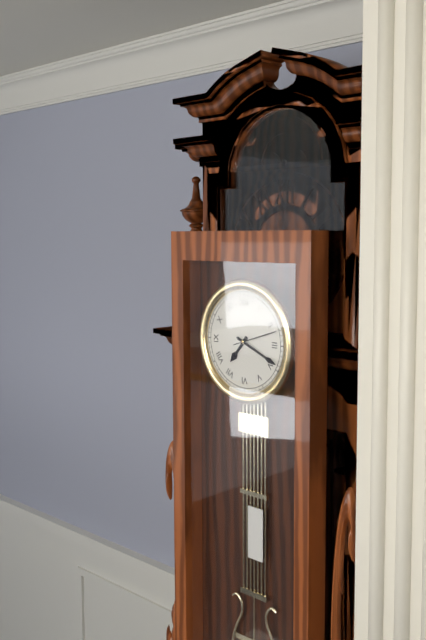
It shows 7h19
